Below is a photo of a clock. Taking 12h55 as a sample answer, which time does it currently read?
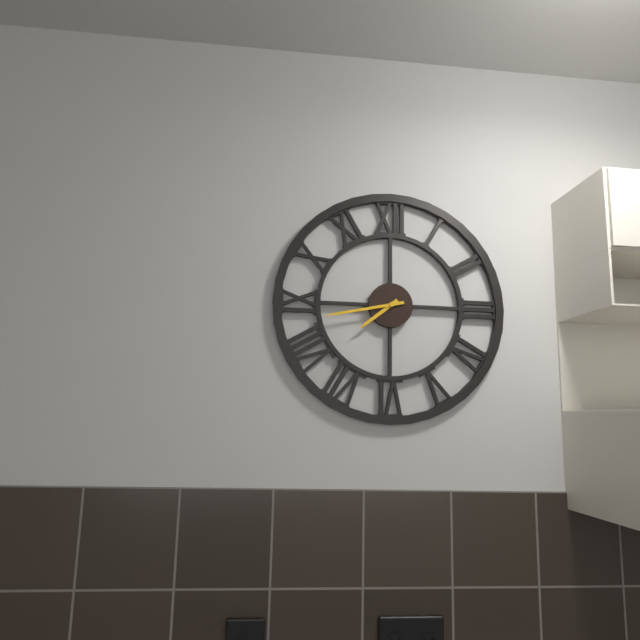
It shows 7h43
